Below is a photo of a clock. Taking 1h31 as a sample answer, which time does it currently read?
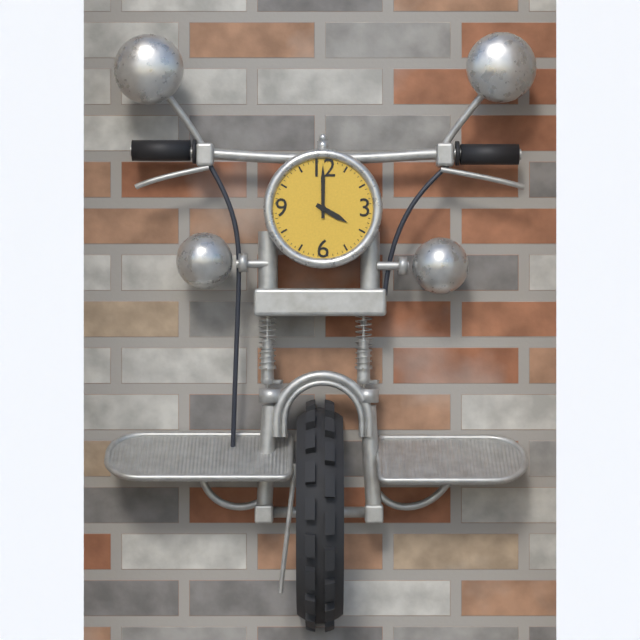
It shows 4h00
